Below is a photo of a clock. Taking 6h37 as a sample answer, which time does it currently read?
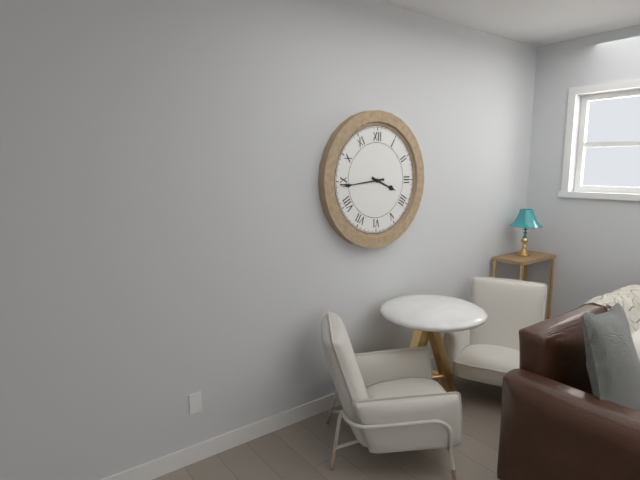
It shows 3h44
